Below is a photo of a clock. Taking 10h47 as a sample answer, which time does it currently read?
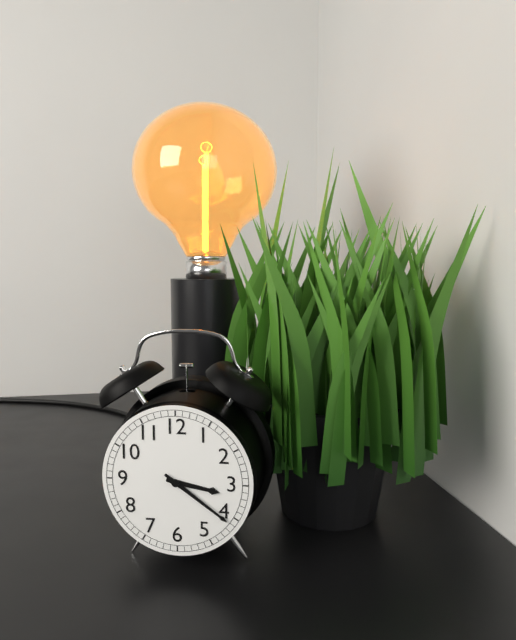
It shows 3h21
